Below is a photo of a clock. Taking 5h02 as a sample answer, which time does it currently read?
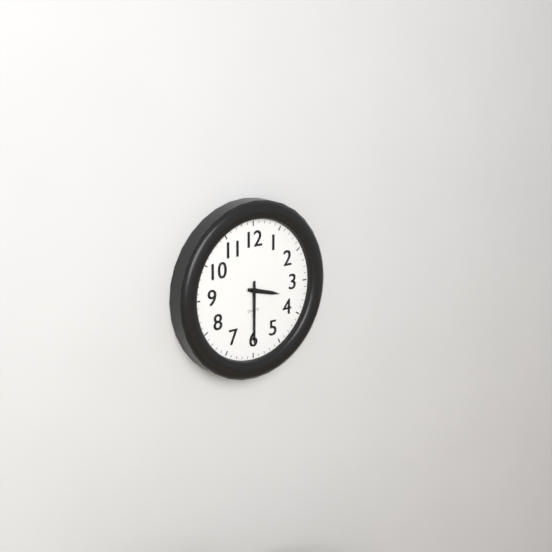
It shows 3h30
